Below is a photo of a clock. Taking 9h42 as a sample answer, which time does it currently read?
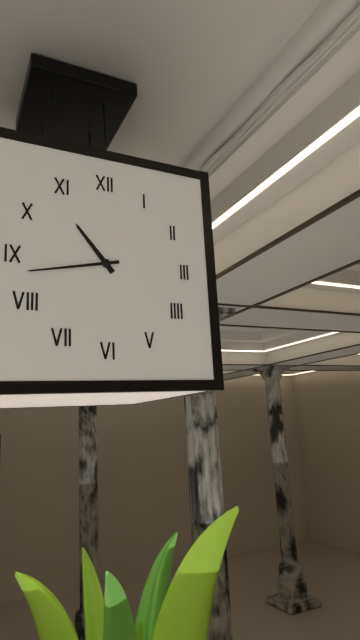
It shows 10h43
